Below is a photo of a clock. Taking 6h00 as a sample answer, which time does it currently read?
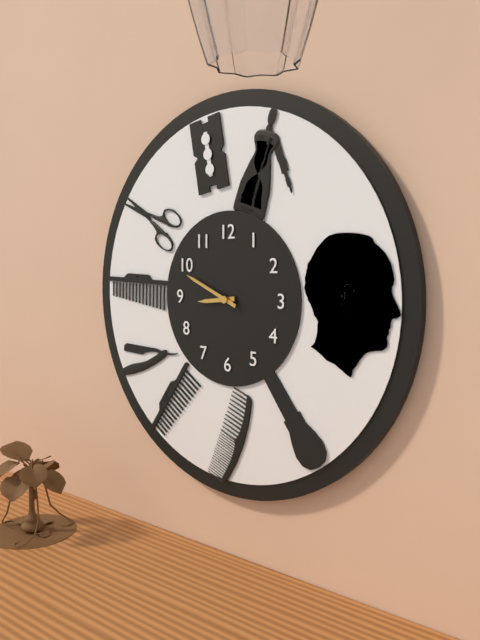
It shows 8h49
